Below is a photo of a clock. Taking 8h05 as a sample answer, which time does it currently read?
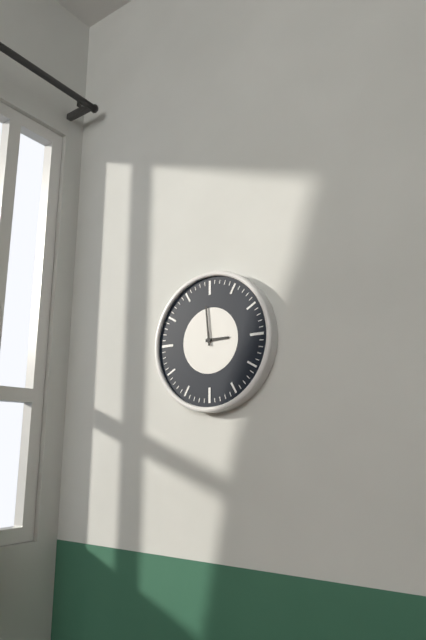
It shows 2h59
